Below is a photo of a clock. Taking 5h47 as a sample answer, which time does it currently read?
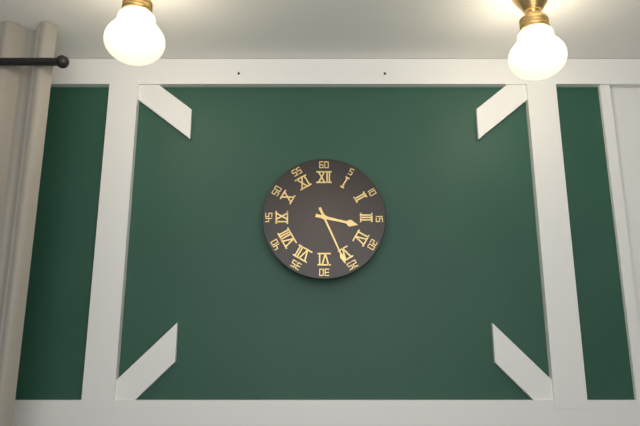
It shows 3h26
